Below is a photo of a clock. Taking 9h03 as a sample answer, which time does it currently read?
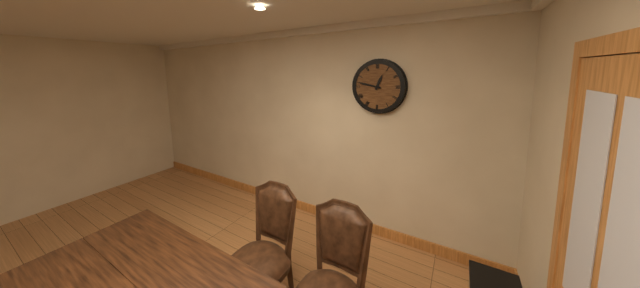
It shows 12h47
